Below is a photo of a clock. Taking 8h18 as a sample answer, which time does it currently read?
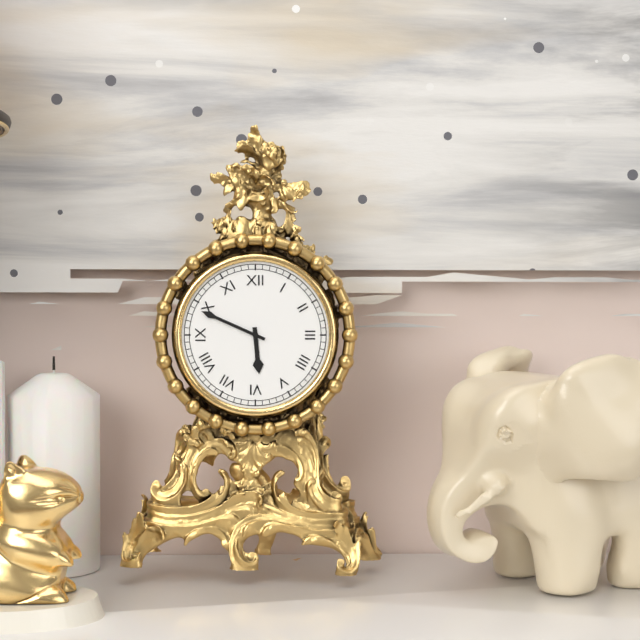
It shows 5h49
